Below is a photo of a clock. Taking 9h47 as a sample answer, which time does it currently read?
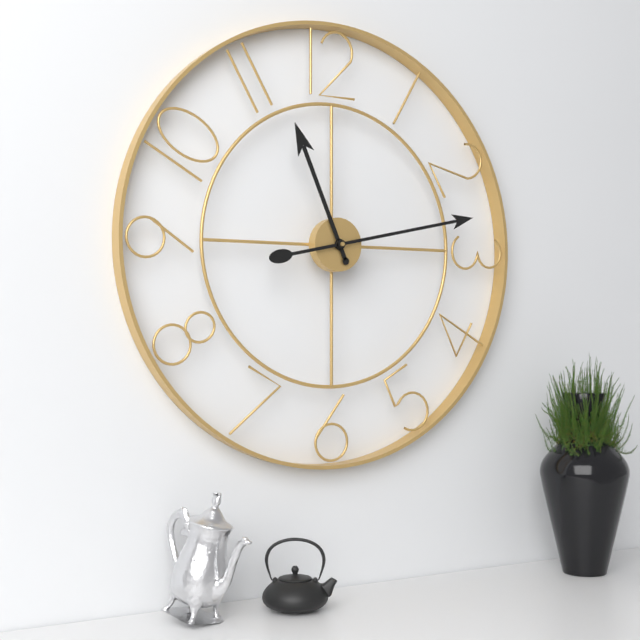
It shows 11h13
